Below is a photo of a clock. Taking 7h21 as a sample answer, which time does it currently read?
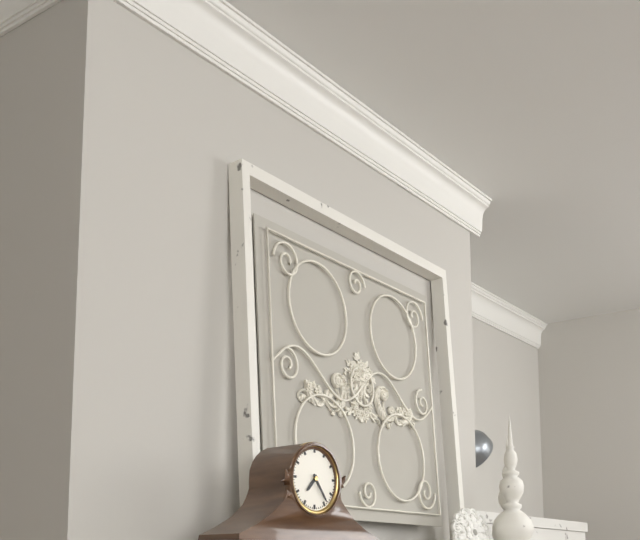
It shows 7h24
